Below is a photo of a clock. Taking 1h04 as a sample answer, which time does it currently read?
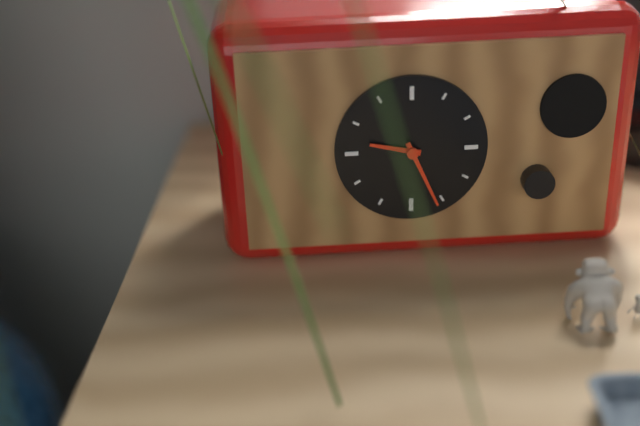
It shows 9h26
